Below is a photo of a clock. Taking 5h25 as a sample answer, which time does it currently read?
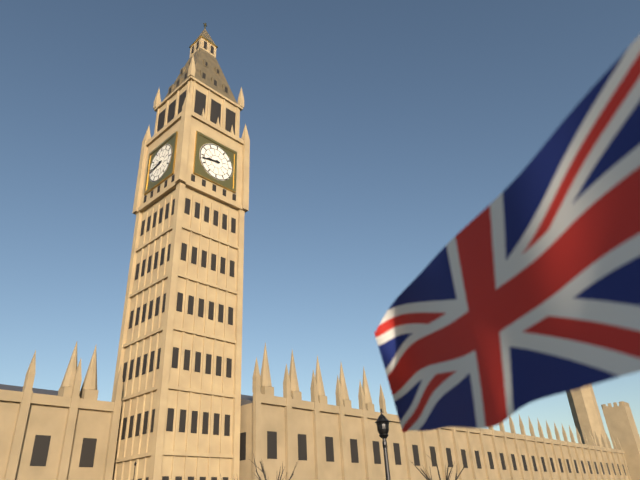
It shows 8h43
